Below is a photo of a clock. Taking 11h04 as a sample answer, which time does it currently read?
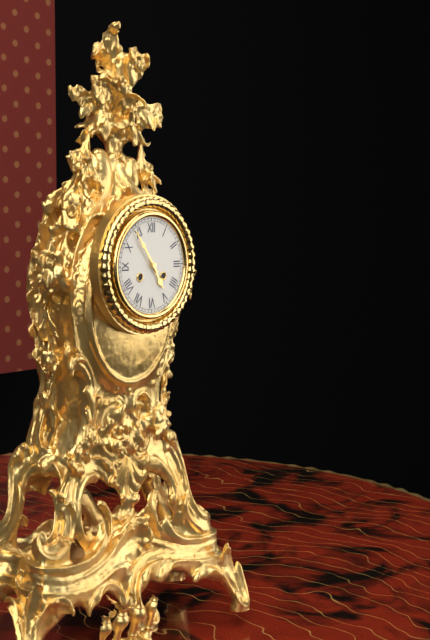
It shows 4h54
